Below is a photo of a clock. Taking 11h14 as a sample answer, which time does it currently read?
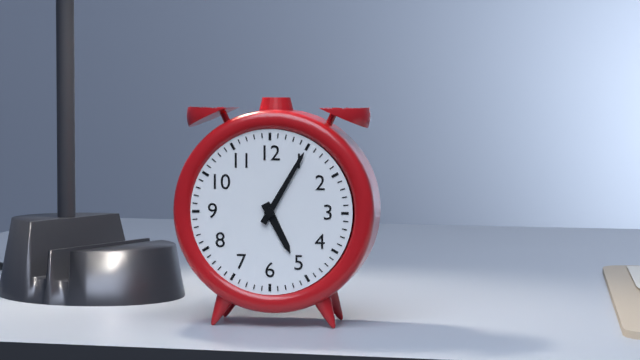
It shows 5h05
